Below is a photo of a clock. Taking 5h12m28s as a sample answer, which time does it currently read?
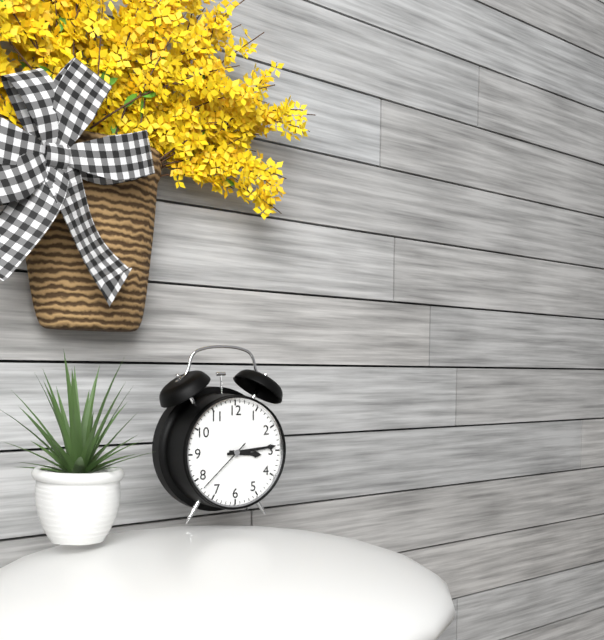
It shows 3h14m38s
